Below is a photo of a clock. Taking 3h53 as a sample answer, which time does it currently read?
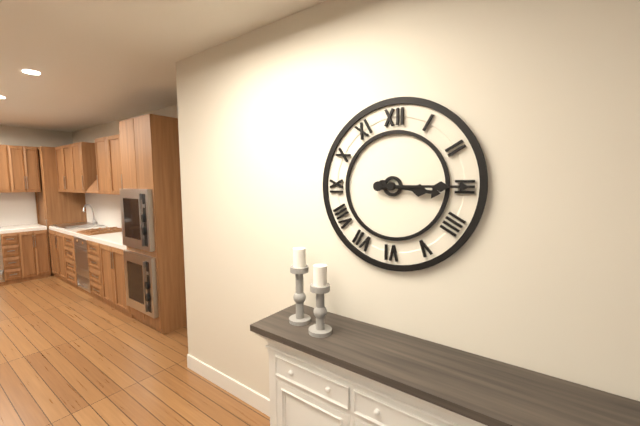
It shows 3h15
